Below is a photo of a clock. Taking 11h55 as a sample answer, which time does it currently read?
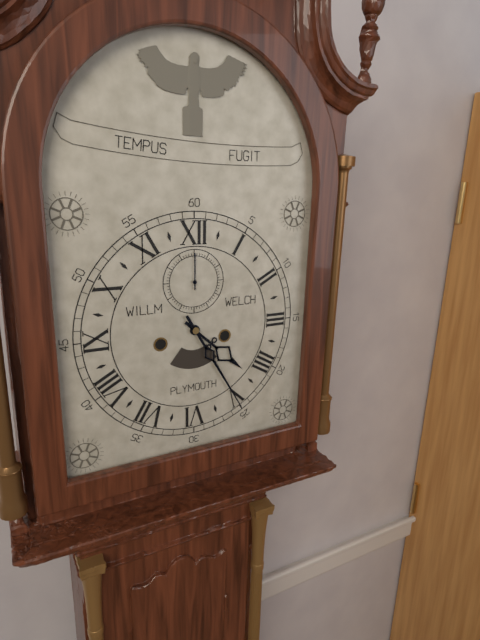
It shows 4h25
